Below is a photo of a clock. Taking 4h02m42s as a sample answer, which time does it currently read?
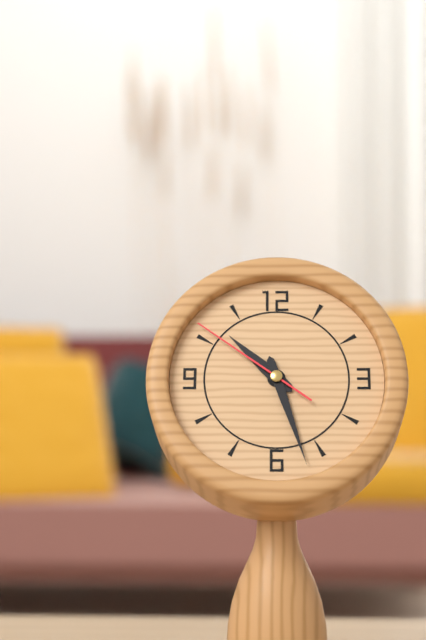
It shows 10h27m51s
